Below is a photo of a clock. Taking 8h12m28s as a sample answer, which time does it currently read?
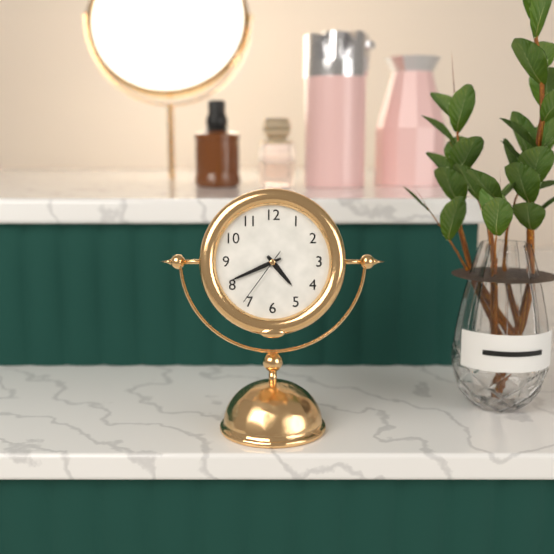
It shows 4h41m36s
